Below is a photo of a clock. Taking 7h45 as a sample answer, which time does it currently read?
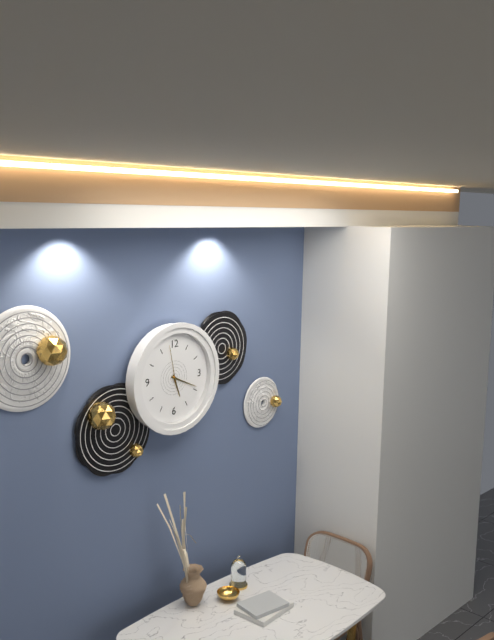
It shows 5h19
